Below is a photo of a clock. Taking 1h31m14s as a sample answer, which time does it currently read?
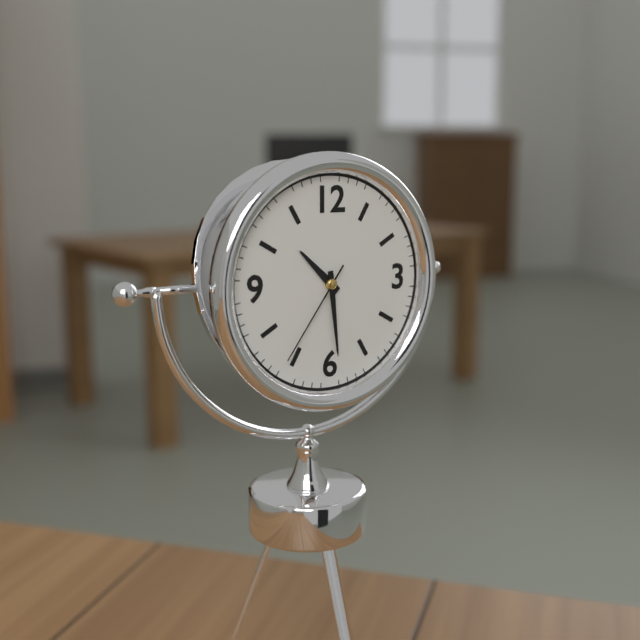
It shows 10h29m36s
